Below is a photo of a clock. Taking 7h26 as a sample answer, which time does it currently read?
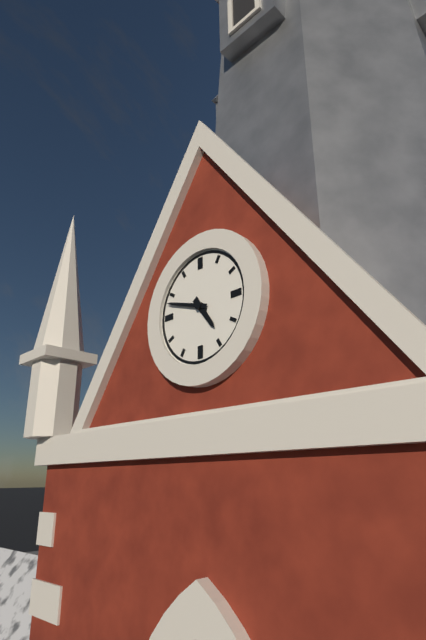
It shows 4h48
